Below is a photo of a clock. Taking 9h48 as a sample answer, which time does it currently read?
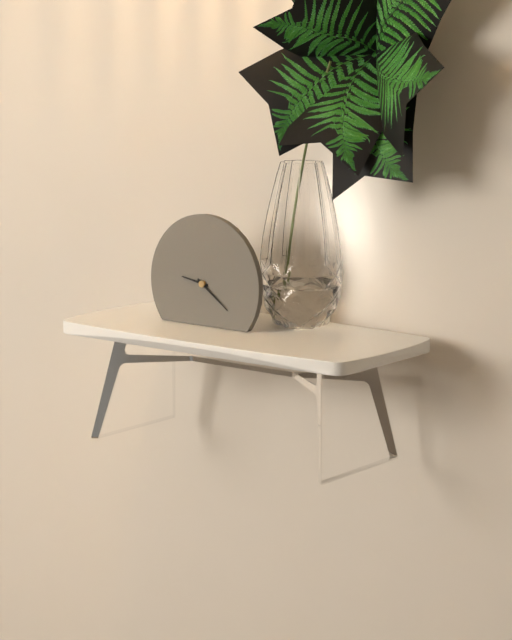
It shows 9h21
